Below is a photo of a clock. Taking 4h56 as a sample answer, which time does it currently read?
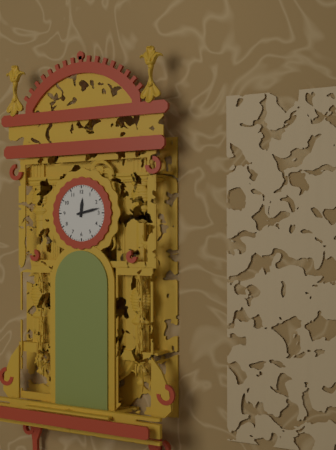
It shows 12h13
